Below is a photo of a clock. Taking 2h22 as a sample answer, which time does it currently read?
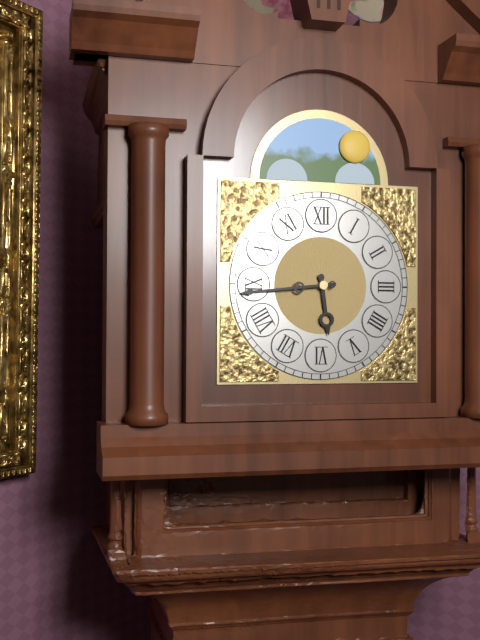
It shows 5h44
